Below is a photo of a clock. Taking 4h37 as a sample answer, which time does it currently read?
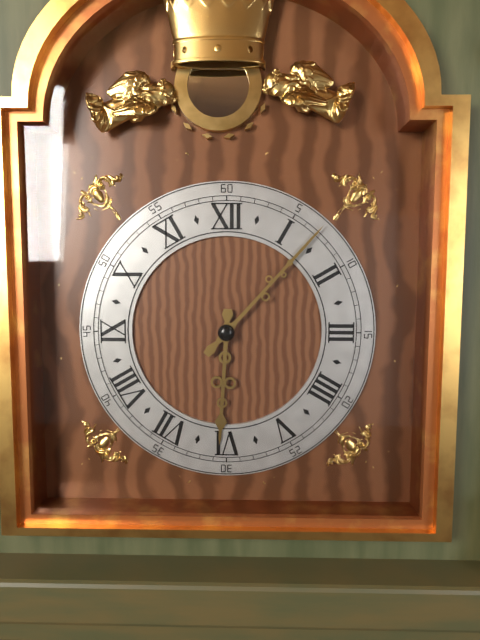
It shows 6h07
